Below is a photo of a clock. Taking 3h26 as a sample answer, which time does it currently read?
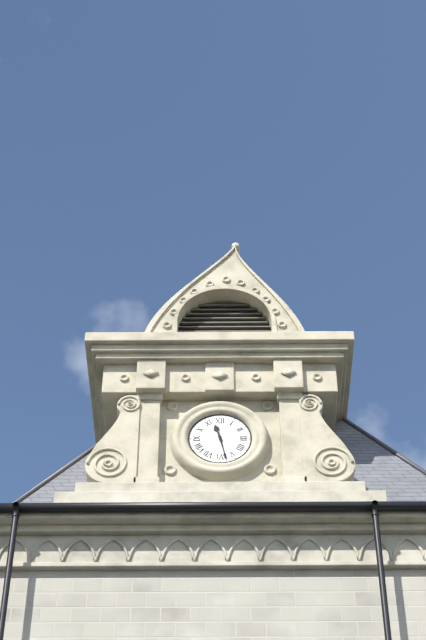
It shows 11h28
